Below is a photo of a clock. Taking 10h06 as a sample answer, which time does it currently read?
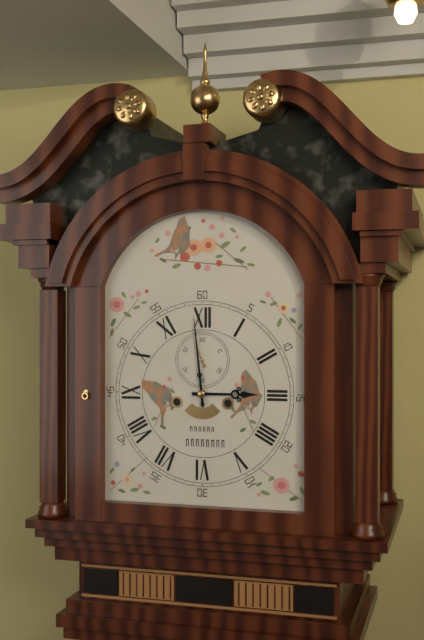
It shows 2h59
